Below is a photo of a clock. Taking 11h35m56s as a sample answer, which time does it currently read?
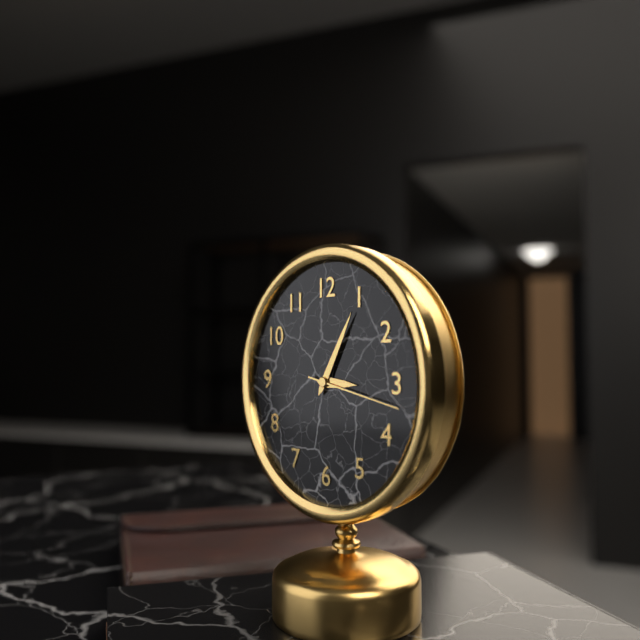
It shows 3h05m17s
